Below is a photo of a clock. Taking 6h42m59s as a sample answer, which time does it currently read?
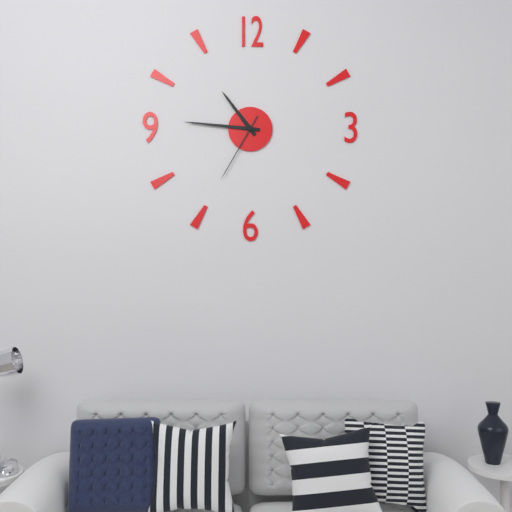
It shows 10h46m35s
